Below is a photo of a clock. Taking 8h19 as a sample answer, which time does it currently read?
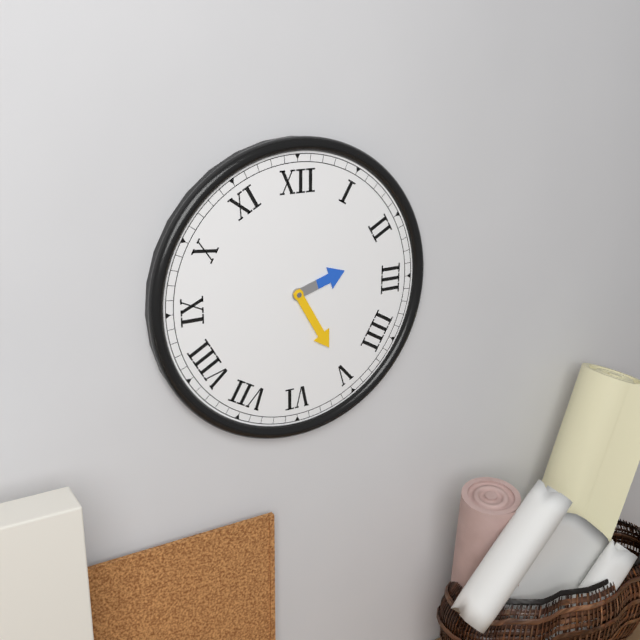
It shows 2h25
